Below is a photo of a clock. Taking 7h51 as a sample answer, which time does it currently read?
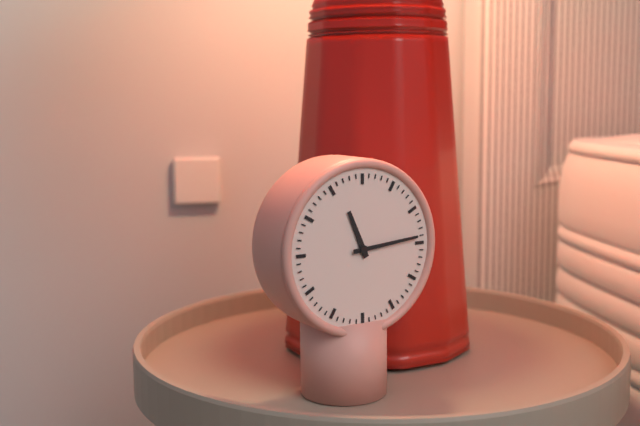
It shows 11h14
